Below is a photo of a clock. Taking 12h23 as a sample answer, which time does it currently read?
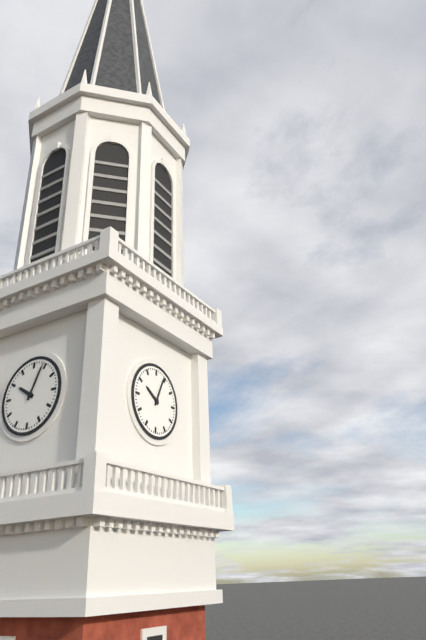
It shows 10h04
